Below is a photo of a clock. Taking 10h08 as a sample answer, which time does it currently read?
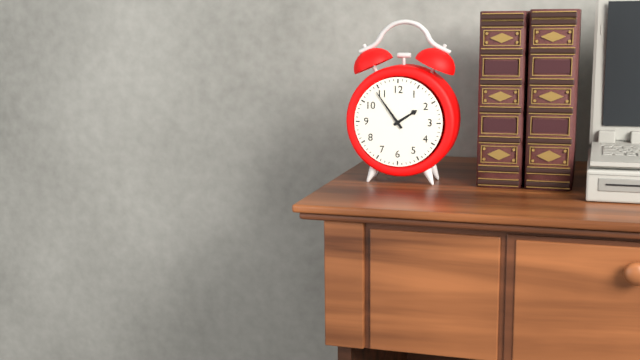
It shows 1h54
